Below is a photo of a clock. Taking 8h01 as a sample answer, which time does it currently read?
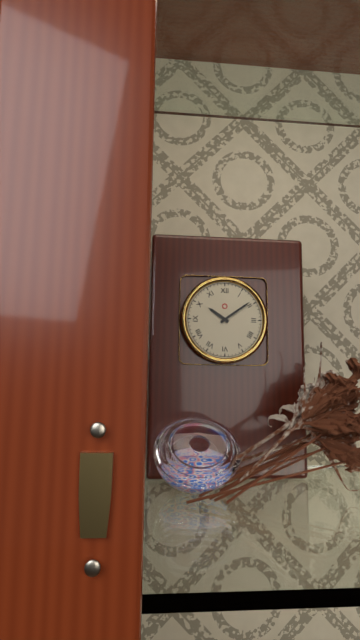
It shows 10h09
